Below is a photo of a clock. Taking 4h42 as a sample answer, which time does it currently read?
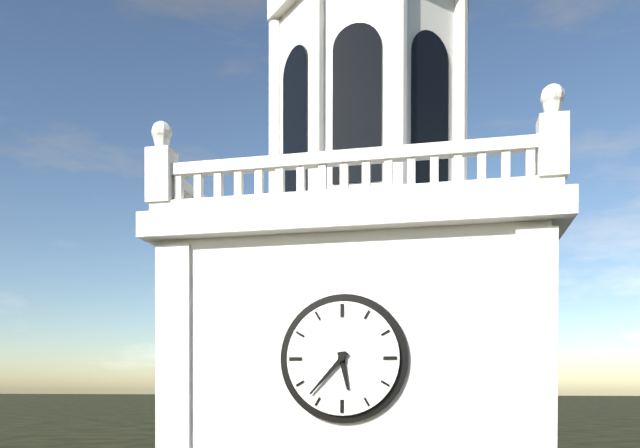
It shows 5h37
